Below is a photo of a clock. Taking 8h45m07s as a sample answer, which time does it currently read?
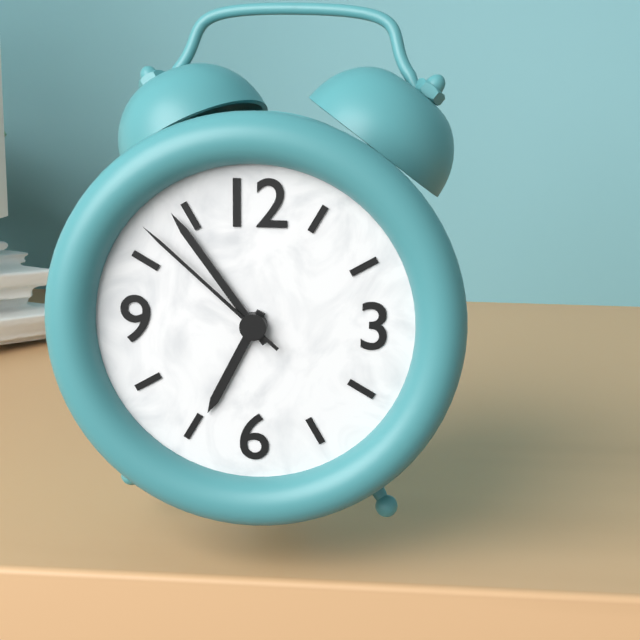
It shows 6h54m52s
